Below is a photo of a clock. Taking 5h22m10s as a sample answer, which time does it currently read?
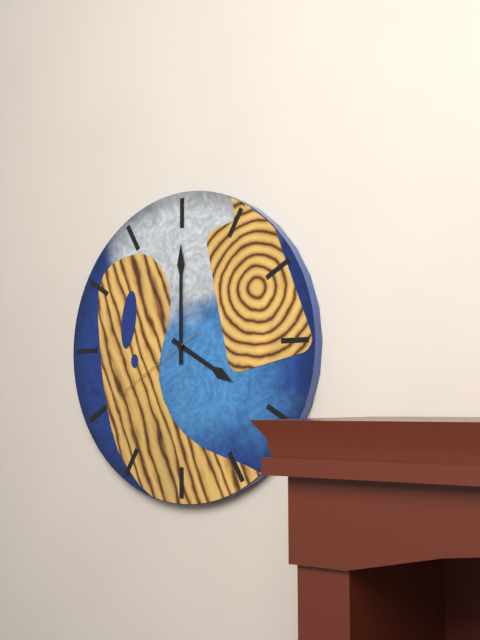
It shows 4h00m40s
